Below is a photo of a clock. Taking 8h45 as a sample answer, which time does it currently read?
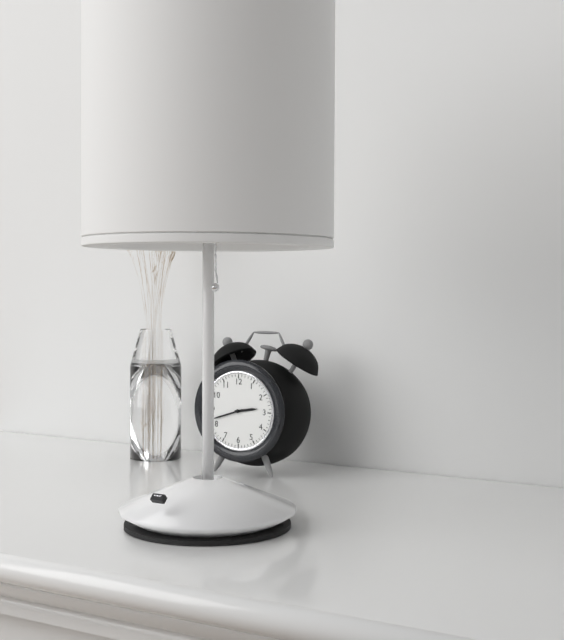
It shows 2h42
